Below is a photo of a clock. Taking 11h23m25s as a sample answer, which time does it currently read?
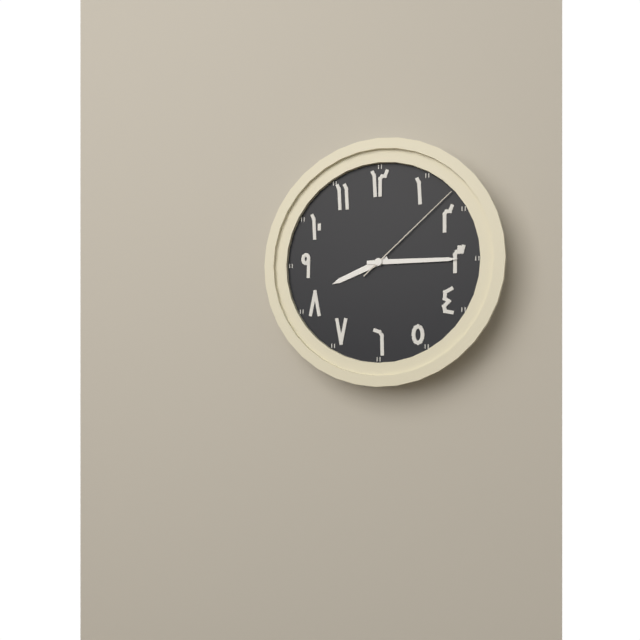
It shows 8h15m08s
